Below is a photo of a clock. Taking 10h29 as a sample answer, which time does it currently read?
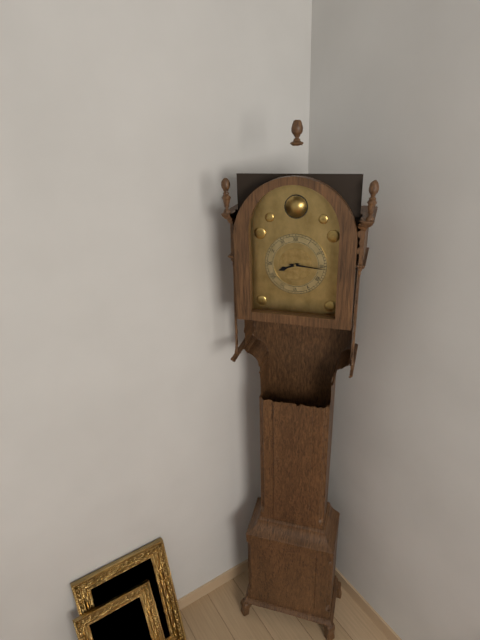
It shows 8h16
